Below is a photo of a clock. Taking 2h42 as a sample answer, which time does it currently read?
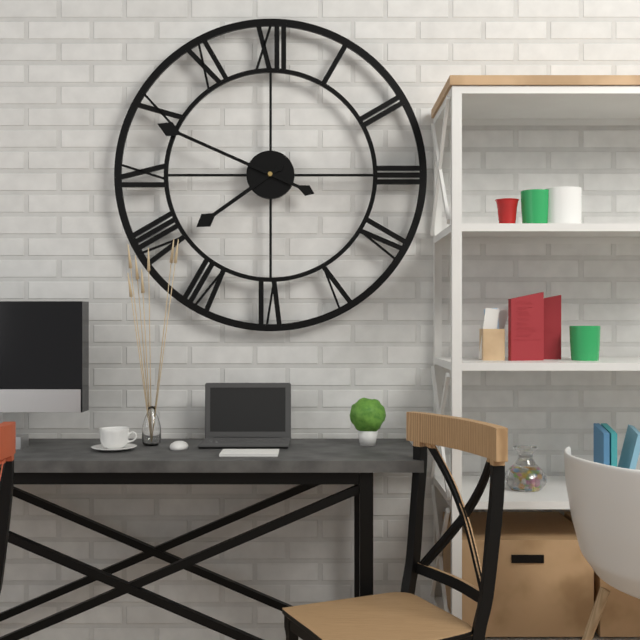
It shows 7h49
